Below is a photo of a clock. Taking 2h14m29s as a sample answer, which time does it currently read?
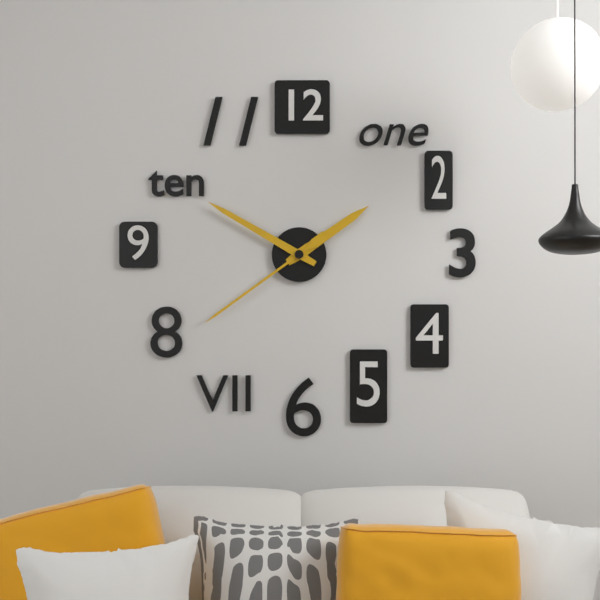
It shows 1h50m39s
